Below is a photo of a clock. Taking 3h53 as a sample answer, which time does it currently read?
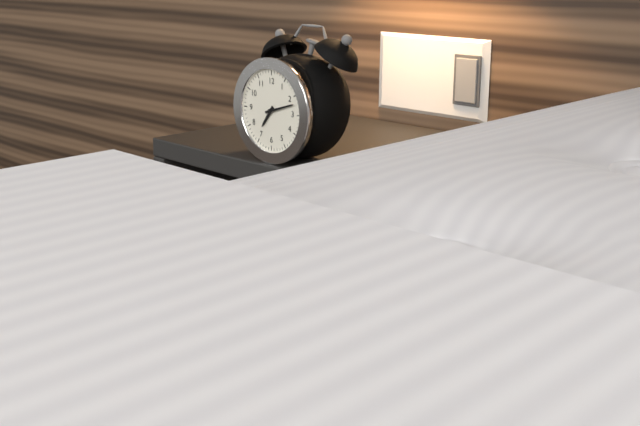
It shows 7h12
